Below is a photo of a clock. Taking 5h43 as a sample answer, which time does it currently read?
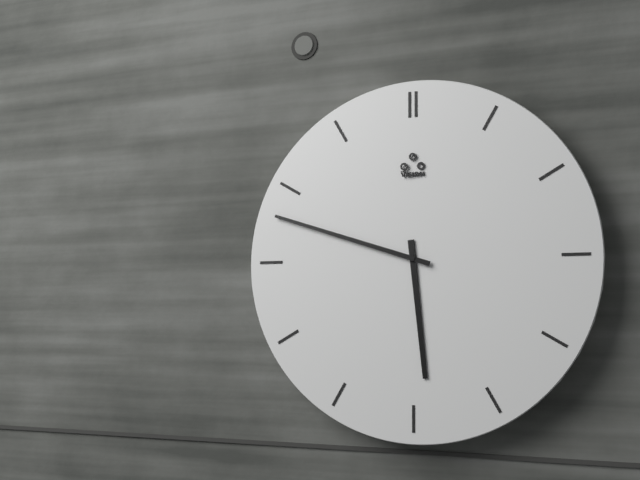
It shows 5h48
